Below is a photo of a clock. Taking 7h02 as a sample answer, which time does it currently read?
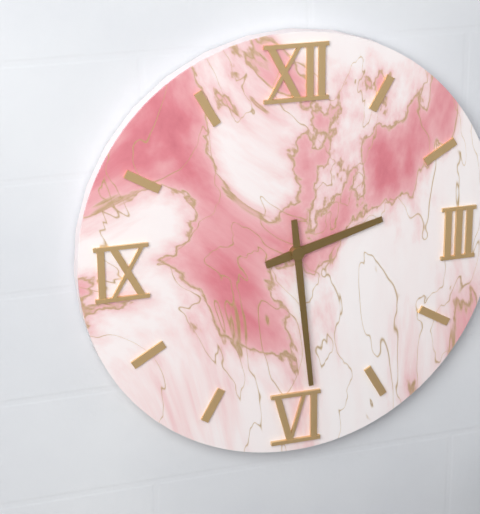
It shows 2h29
